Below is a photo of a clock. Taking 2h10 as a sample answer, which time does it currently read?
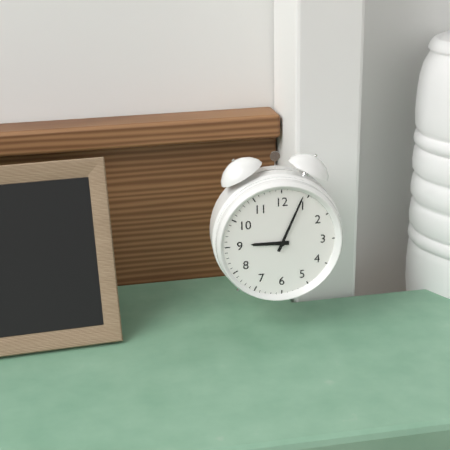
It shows 9h04
